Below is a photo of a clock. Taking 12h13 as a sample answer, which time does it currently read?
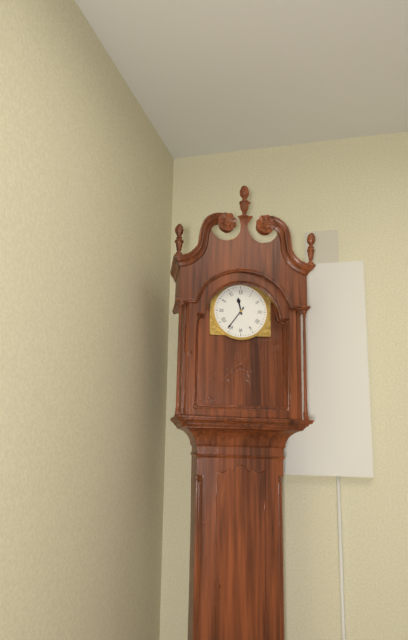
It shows 11h36
